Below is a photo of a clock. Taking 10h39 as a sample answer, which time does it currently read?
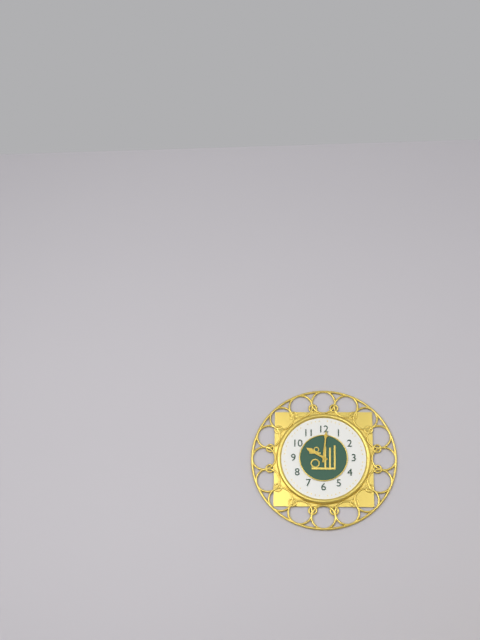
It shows 10h01
